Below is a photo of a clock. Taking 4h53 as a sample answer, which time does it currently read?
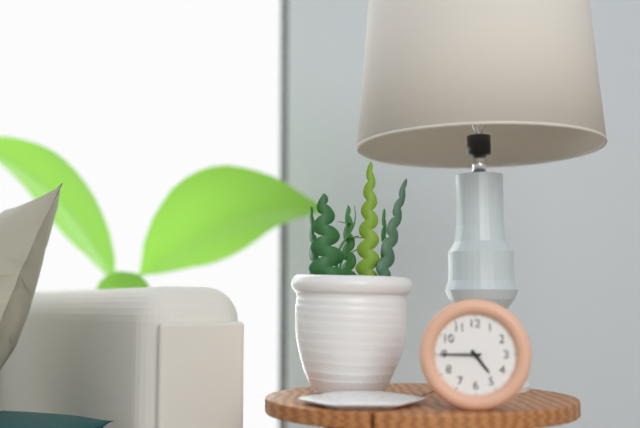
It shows 4h45
